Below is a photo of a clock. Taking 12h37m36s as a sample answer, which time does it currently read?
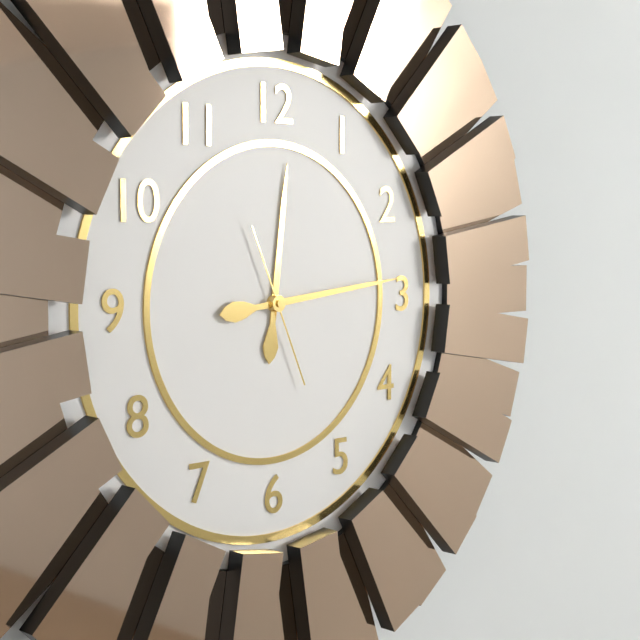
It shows 12h14m26s
